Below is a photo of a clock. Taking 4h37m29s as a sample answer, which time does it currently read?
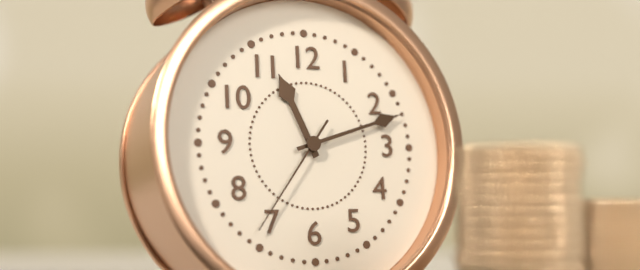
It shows 11h12m36s
